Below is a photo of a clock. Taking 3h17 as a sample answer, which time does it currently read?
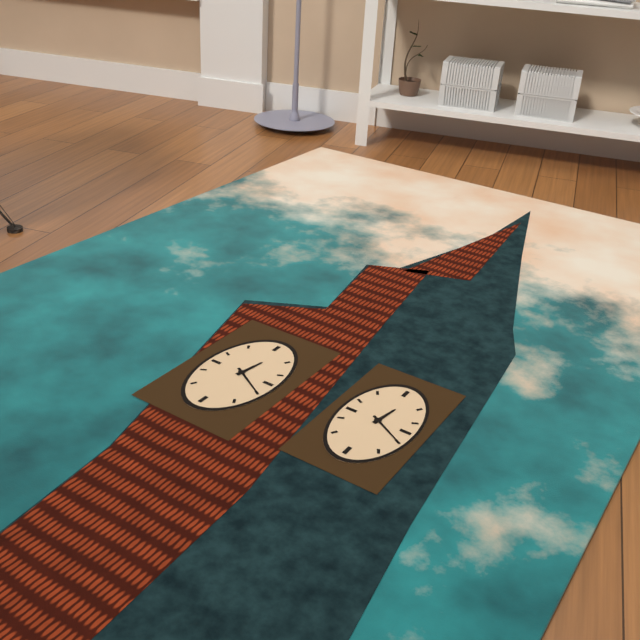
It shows 12h20
